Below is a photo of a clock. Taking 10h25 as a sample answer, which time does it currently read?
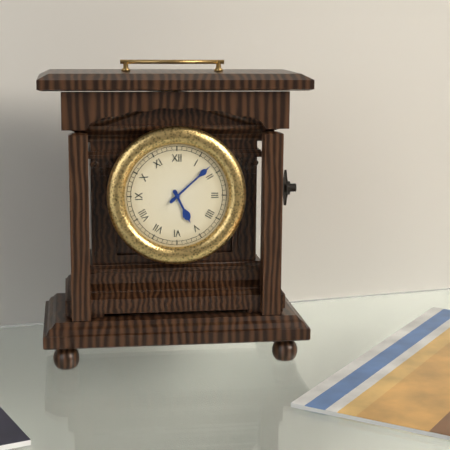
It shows 5h08
